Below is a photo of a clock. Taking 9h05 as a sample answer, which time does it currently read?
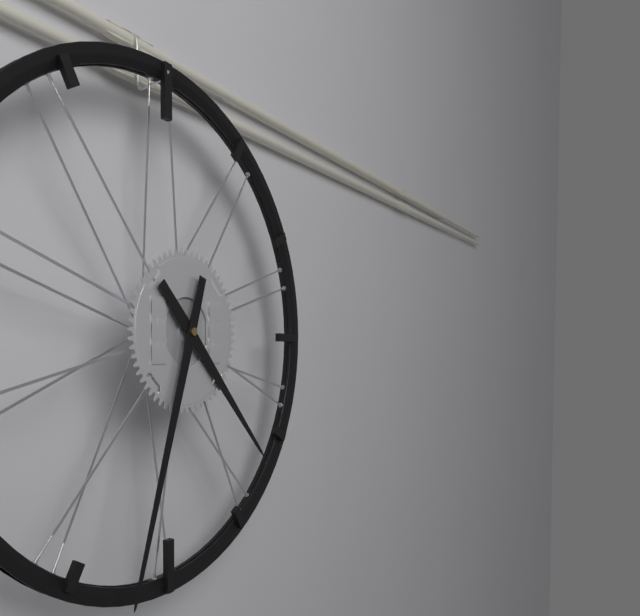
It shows 4h33
